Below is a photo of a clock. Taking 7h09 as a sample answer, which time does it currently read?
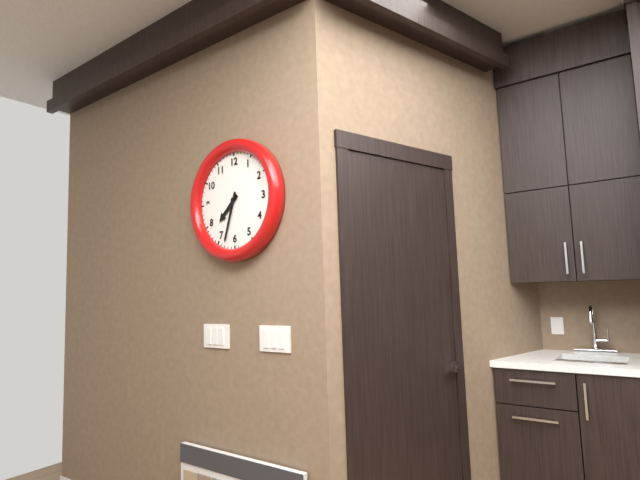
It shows 7h33
